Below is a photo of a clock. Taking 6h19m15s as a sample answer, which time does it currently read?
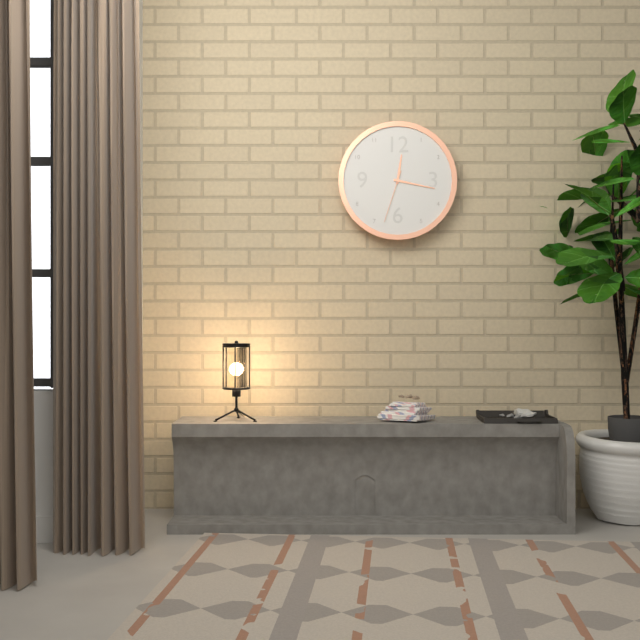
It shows 12h17m33s
